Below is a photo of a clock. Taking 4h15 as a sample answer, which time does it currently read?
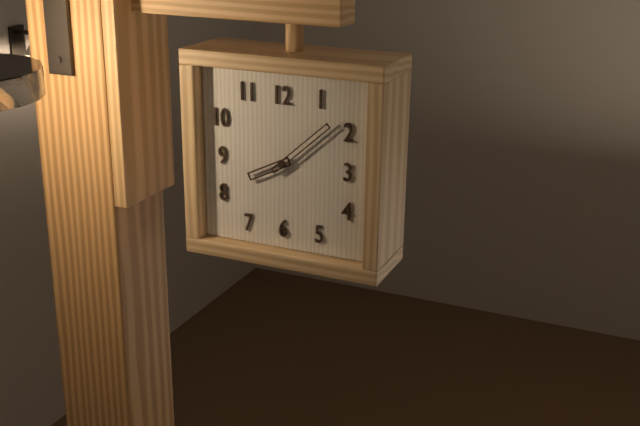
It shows 8h08
